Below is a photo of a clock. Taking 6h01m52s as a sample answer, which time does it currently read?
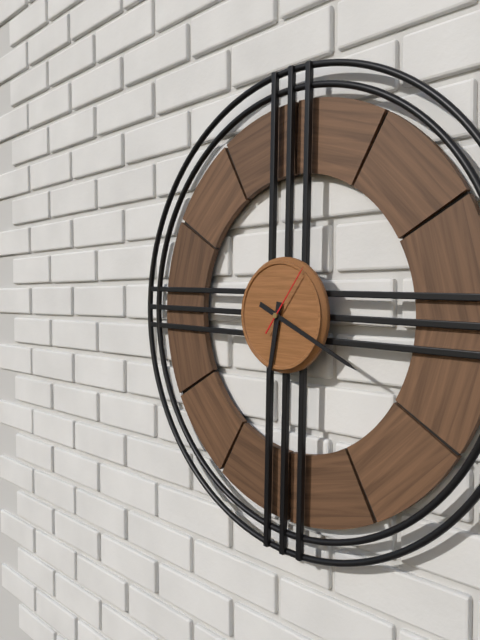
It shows 6h19m06s
